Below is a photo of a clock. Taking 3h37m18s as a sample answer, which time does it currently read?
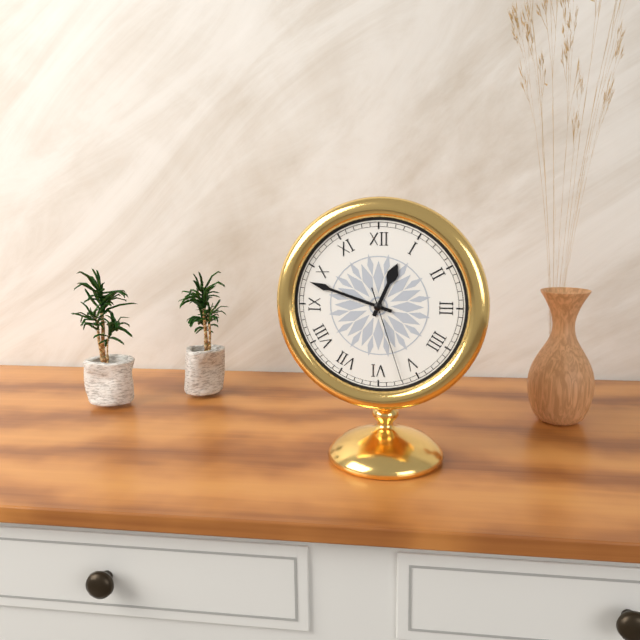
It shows 12h48m27s
